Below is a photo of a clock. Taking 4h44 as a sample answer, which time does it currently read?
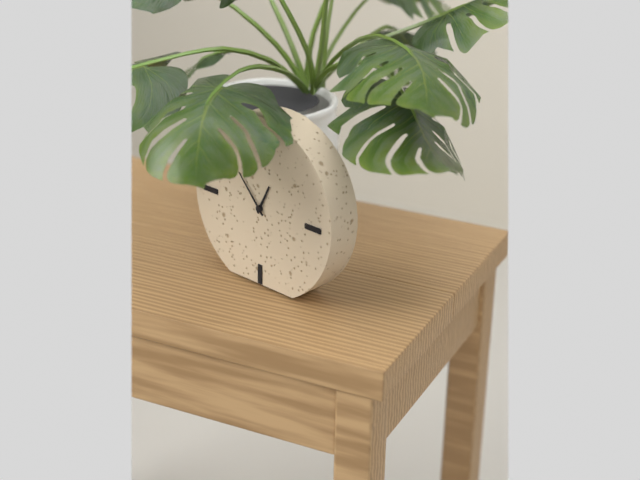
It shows 12h53
